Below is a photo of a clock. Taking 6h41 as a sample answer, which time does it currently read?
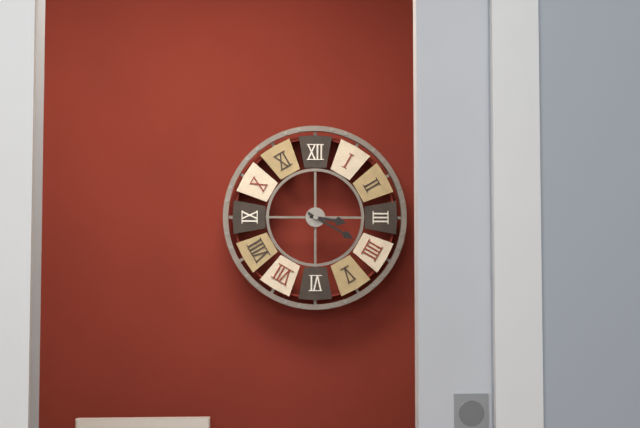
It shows 3h20
